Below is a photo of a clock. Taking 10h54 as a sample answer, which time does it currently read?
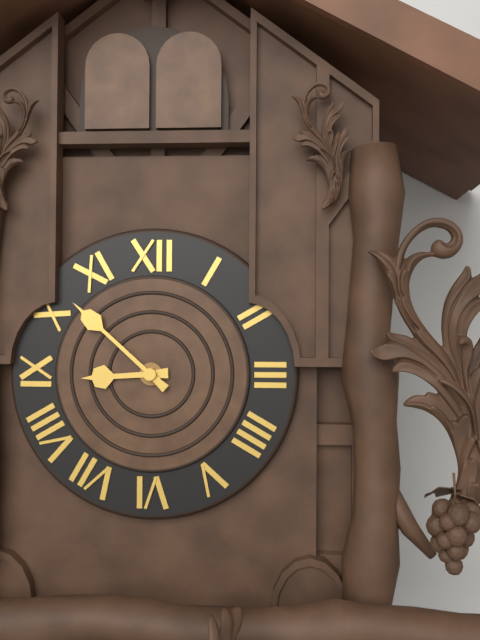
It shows 8h52
